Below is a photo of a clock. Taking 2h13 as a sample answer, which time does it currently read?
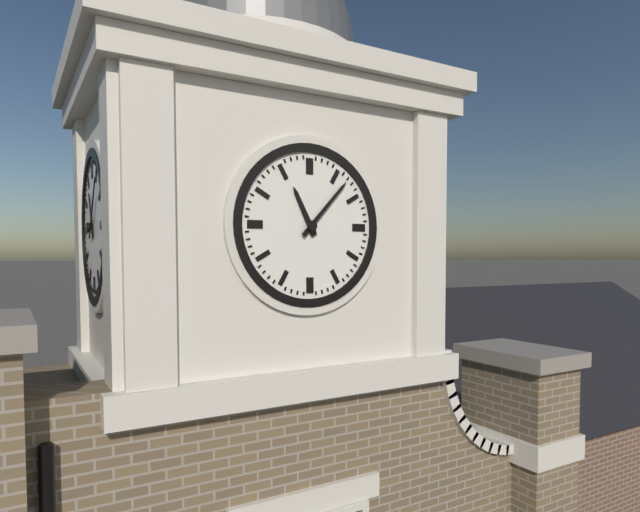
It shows 11h07
